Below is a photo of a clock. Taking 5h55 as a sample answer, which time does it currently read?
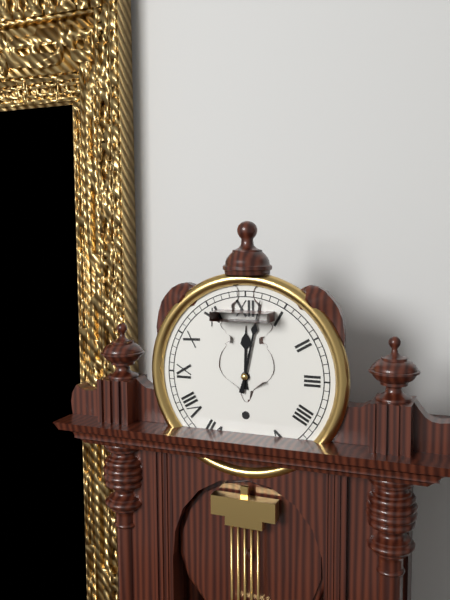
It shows 12h02
